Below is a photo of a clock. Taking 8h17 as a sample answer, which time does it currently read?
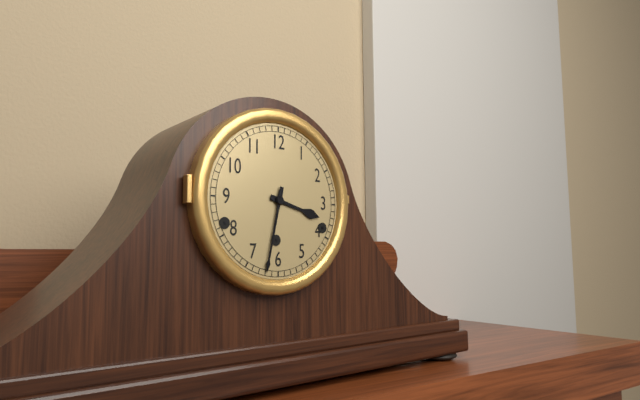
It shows 3h32
